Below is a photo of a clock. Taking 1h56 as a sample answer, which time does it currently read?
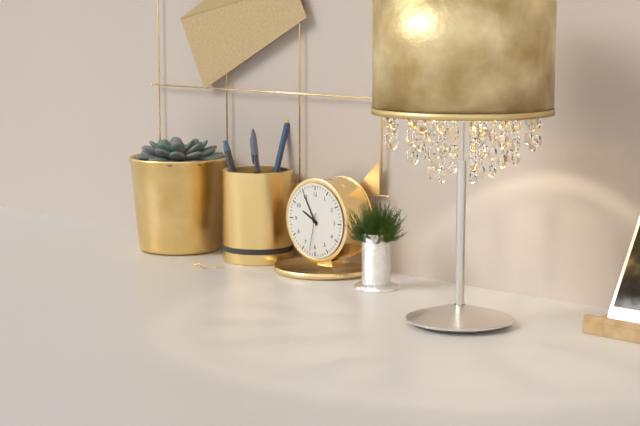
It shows 9h55
